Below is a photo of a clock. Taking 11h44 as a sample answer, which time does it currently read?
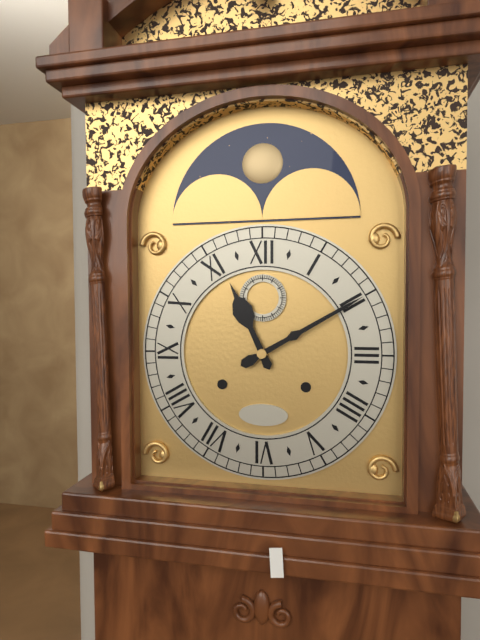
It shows 11h10
